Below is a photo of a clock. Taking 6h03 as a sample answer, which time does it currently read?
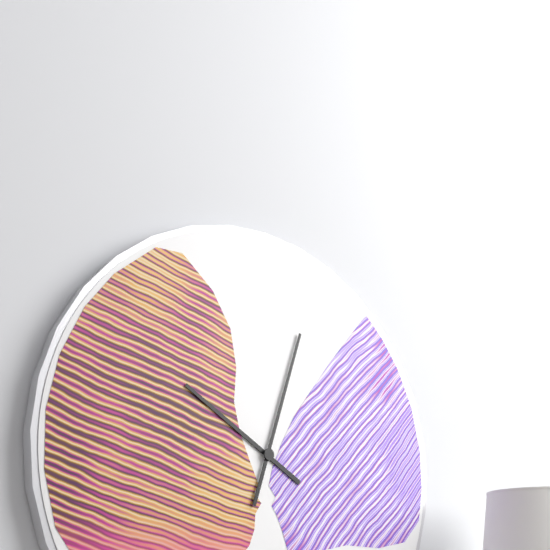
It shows 10h03
